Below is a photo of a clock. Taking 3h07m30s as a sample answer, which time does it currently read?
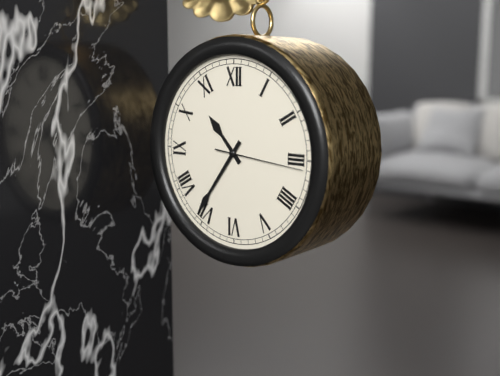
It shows 10h36m16s
